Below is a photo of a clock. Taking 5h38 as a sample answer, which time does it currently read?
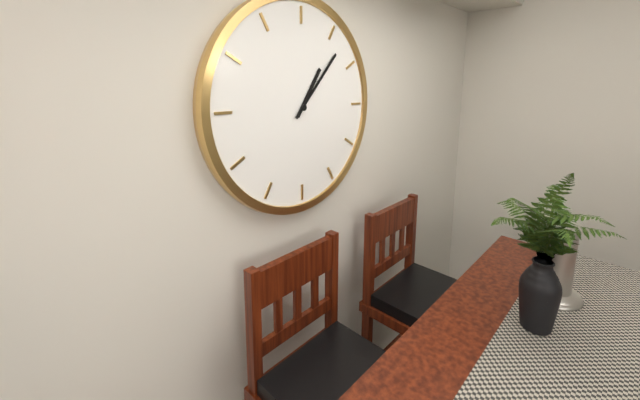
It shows 1h07
